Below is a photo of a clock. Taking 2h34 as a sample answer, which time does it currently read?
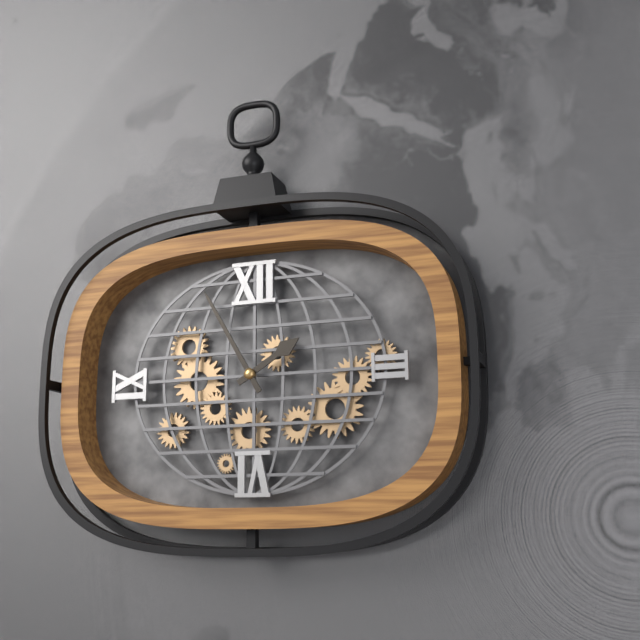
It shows 1h55
